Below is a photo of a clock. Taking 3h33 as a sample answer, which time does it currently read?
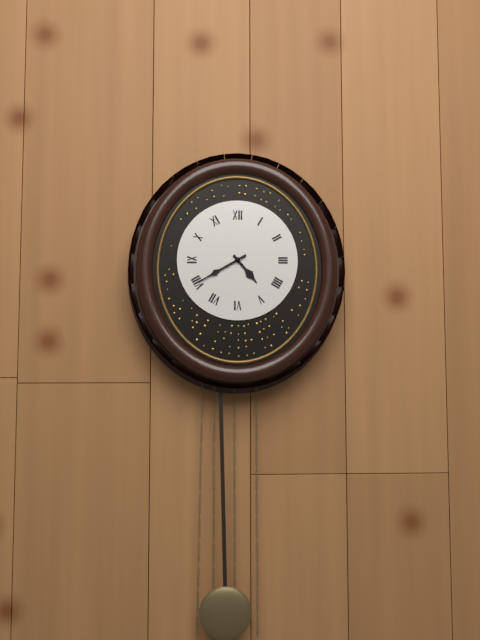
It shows 4h40
